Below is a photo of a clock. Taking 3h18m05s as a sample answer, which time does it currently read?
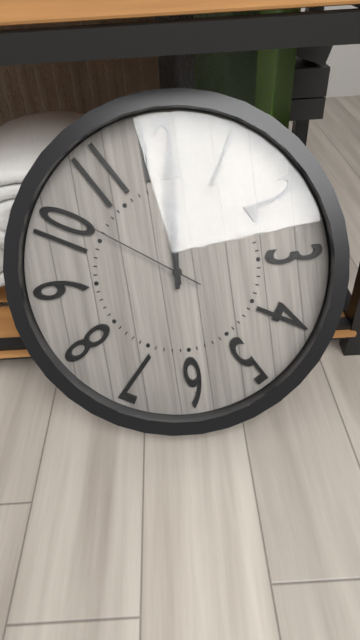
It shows 12h01m51s
